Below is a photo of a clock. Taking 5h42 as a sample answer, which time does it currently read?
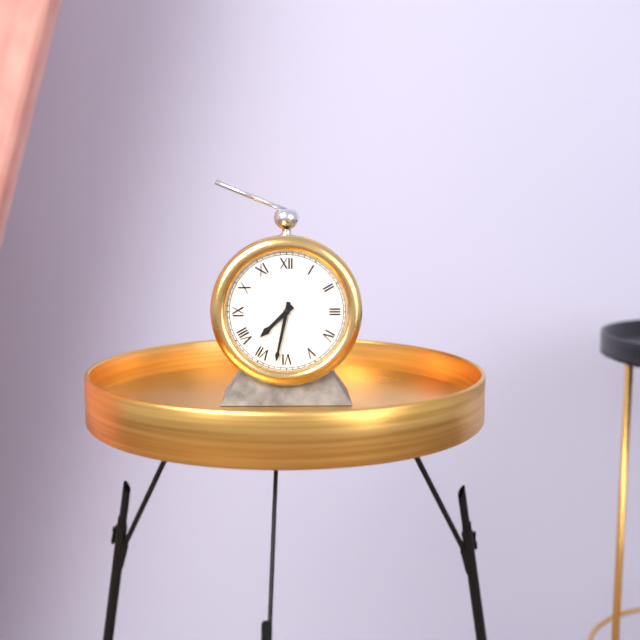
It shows 7h32
